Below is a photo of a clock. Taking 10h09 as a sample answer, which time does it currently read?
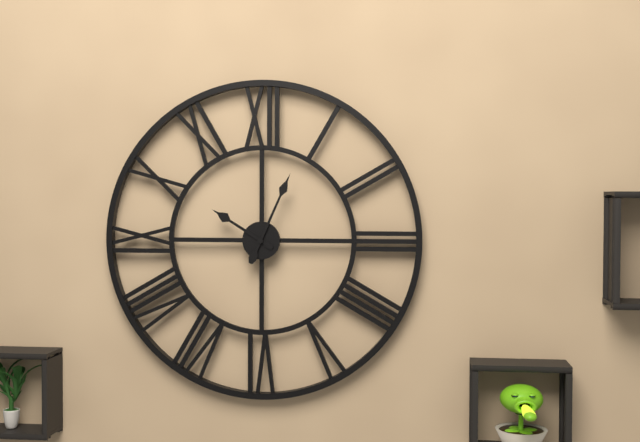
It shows 10h04
